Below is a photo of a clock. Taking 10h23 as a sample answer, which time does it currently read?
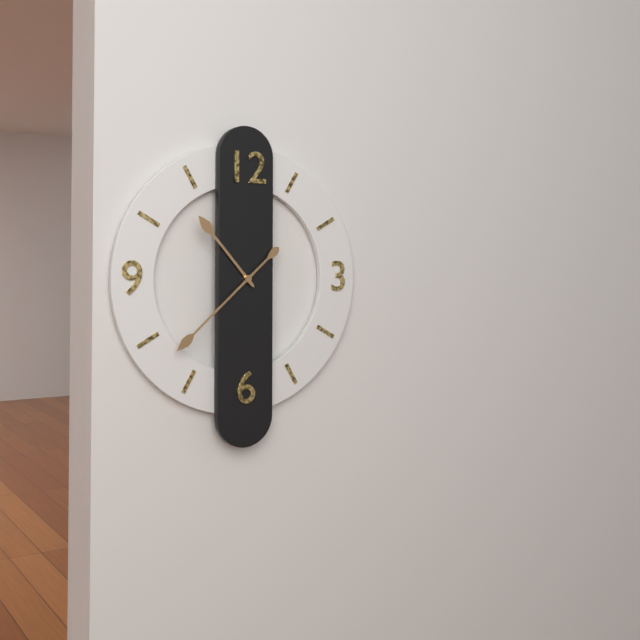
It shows 10h38
